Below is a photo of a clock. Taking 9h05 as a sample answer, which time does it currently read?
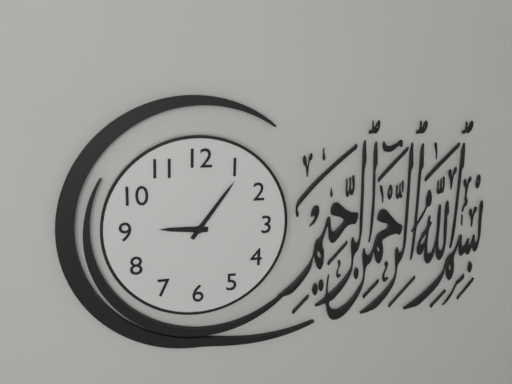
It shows 9h06
